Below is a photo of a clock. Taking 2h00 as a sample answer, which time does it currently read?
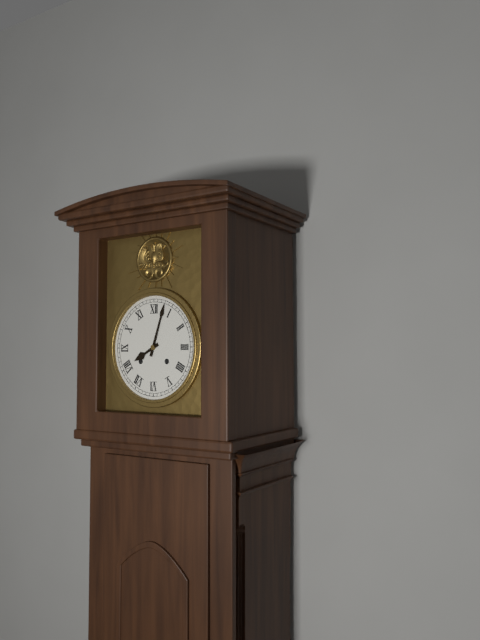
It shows 8h03
